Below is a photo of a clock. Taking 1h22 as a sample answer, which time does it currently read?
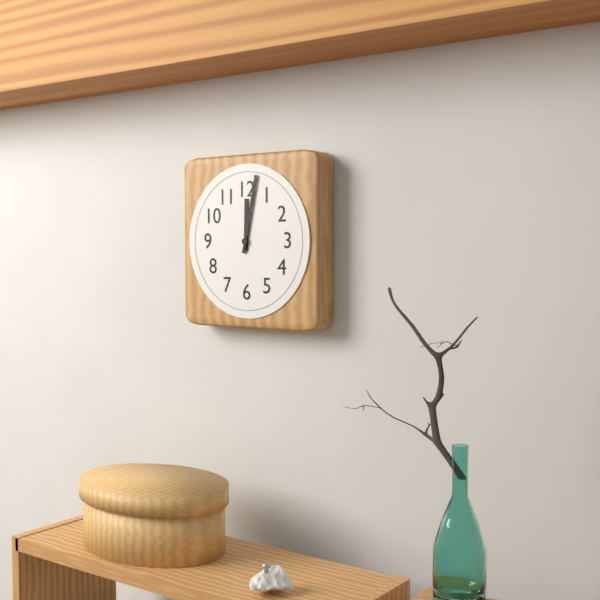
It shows 12h02
